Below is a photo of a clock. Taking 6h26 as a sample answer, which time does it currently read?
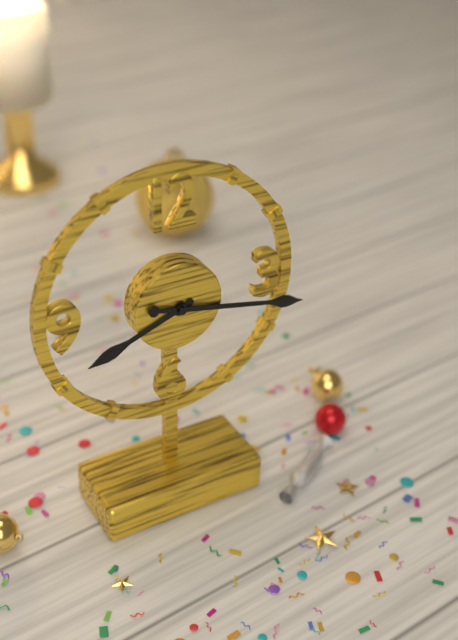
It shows 8h17
